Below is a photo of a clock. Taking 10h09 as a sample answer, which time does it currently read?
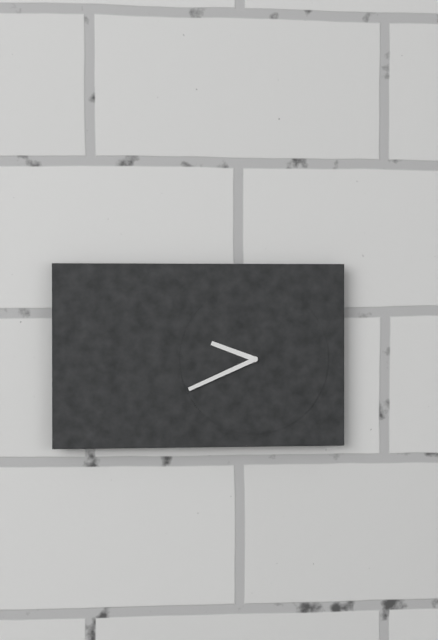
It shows 9h41
